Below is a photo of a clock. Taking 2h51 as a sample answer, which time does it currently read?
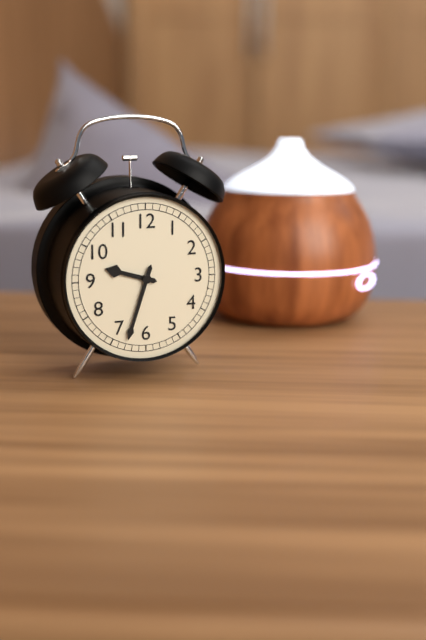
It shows 9h33
